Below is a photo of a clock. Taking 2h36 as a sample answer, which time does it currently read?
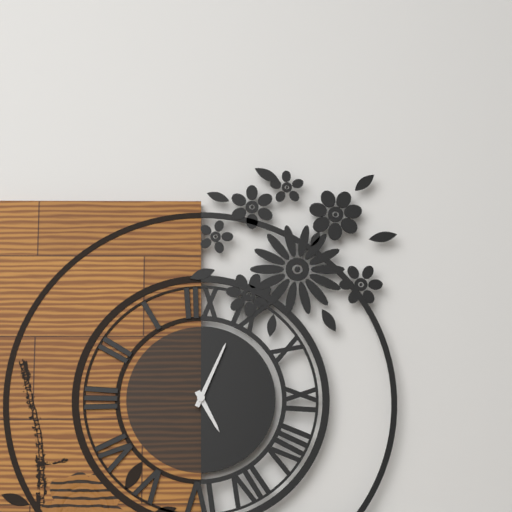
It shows 5h04
